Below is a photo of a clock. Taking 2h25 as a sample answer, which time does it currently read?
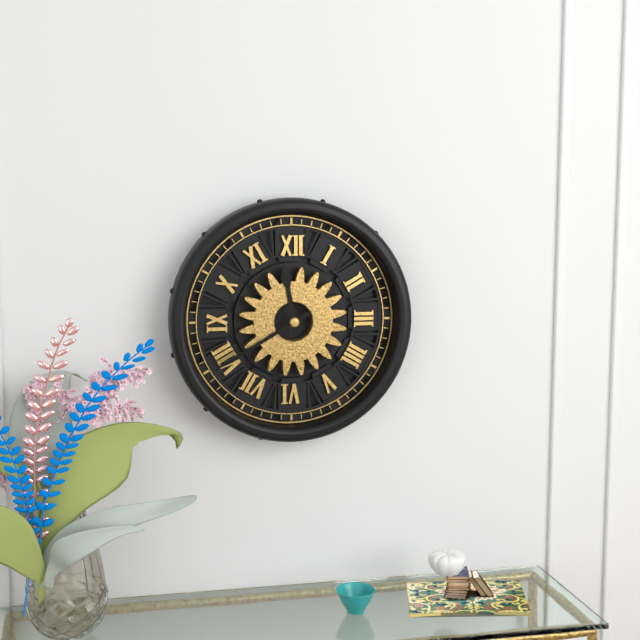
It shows 11h40
